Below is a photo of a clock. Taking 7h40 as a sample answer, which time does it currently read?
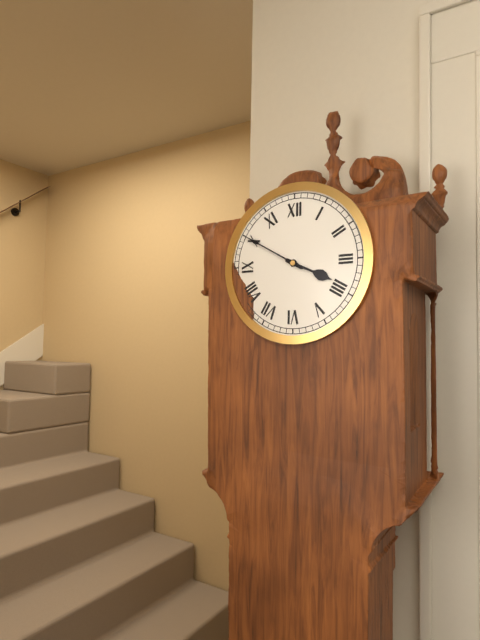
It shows 3h50
